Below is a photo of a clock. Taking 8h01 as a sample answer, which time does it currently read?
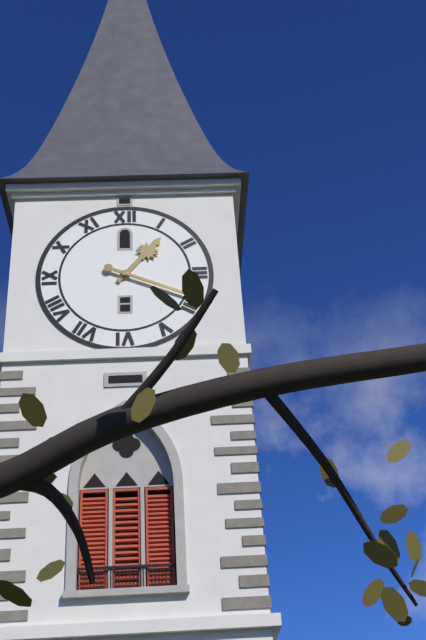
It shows 1h19
